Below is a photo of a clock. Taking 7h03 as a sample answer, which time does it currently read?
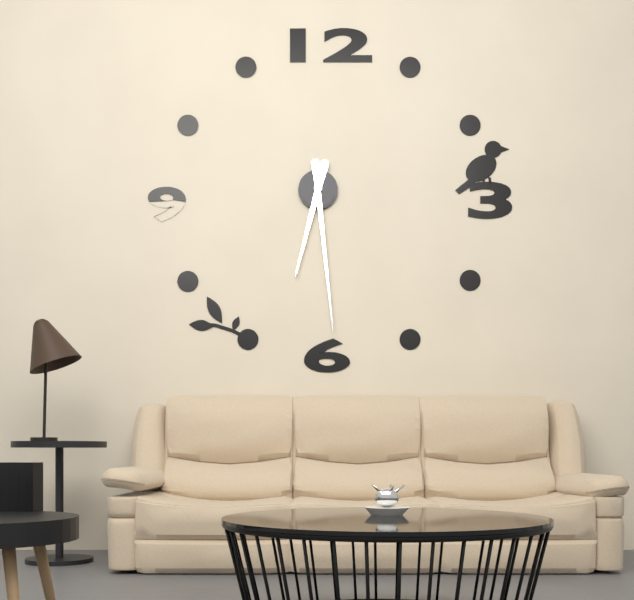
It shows 6h29
